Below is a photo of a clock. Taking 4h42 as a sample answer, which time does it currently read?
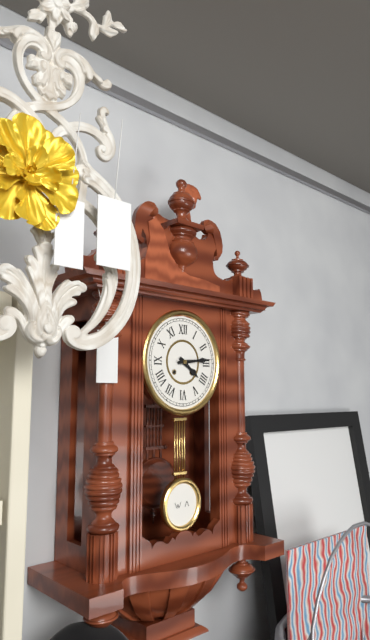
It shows 4h14
